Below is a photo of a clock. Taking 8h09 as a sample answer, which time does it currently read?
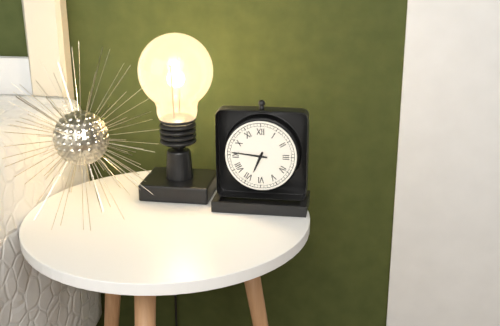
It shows 6h46
